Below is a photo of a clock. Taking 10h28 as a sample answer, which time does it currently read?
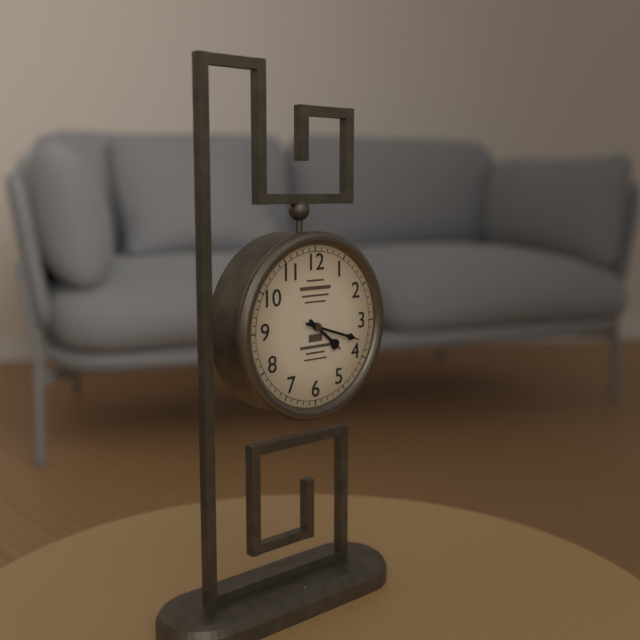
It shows 4h18
